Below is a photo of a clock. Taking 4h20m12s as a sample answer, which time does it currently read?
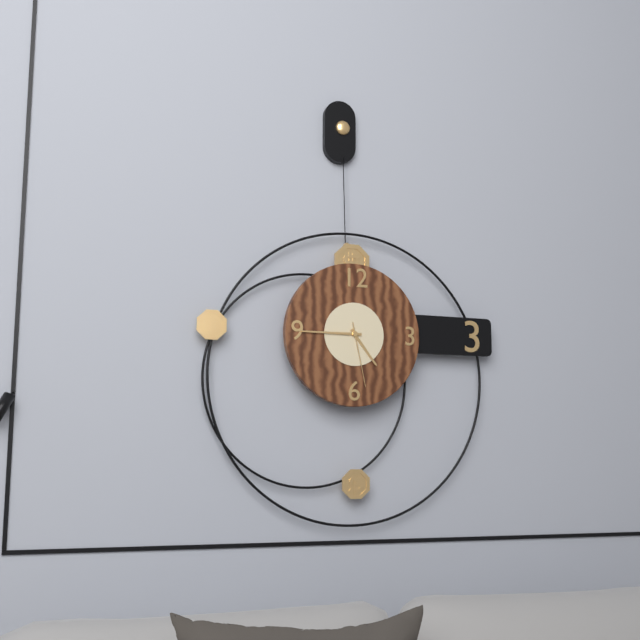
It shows 4h45m28s
